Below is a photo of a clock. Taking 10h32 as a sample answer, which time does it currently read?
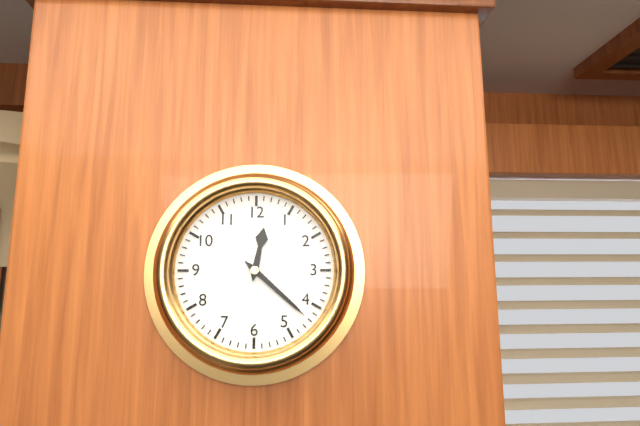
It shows 12h22
